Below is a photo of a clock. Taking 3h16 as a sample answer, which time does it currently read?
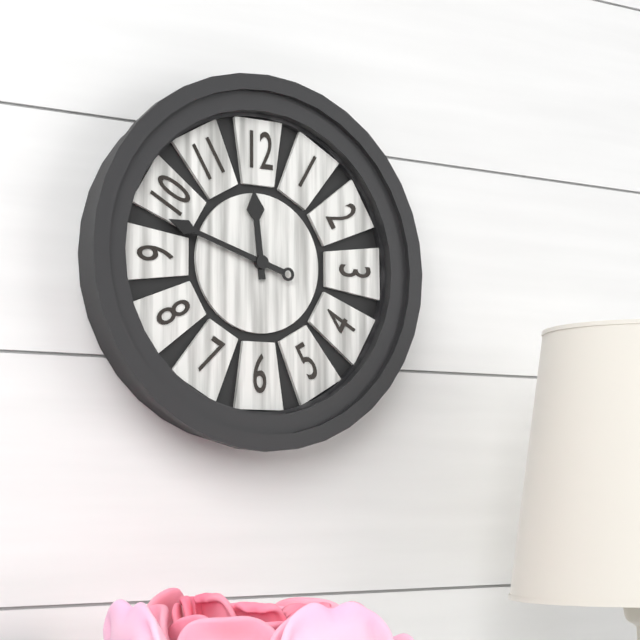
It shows 11h48
